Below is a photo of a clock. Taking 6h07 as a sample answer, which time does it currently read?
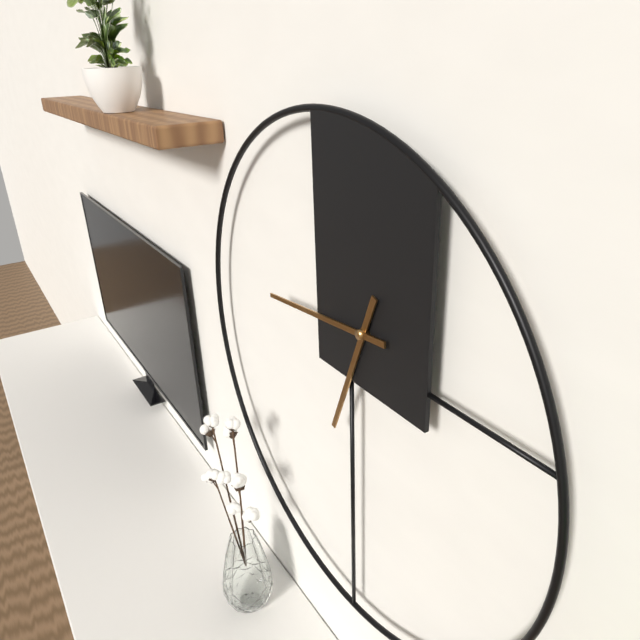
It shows 6h44
